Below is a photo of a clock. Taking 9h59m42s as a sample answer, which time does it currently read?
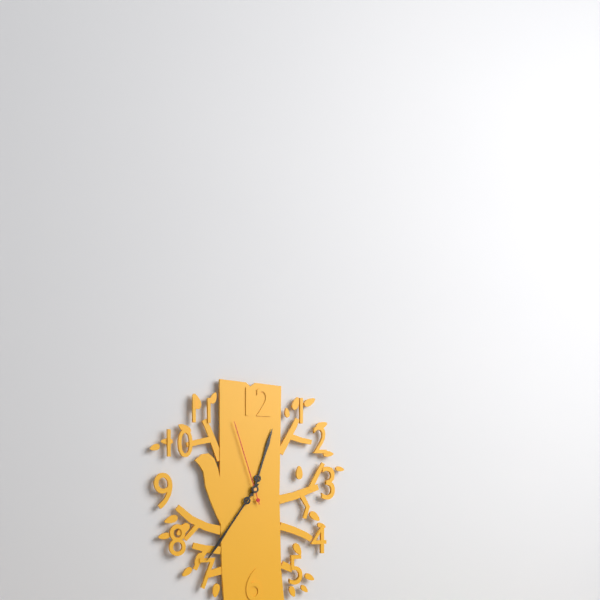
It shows 12h36m57s
